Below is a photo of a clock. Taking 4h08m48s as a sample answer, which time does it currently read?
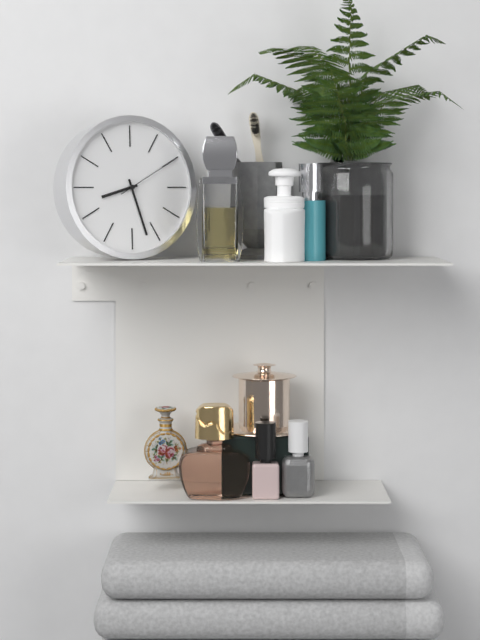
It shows 8h27m10s
